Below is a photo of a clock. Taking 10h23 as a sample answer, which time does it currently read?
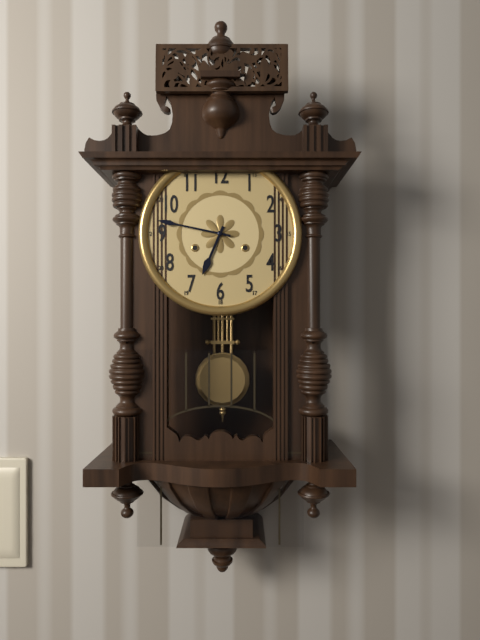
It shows 6h47
